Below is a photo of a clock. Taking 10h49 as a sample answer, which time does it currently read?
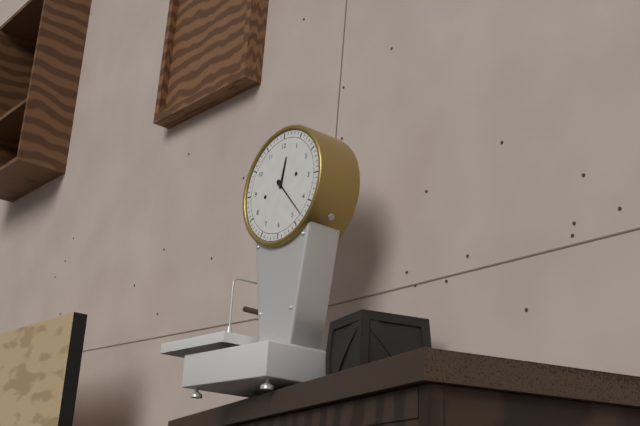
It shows 12h23
